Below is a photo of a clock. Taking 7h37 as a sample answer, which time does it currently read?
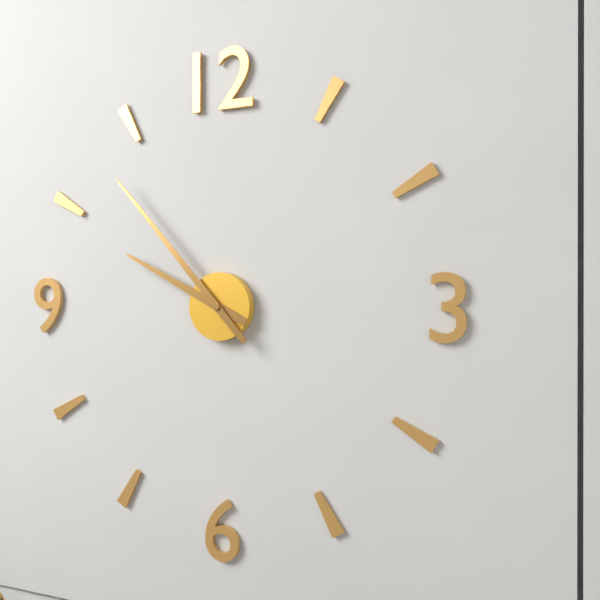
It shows 9h53
